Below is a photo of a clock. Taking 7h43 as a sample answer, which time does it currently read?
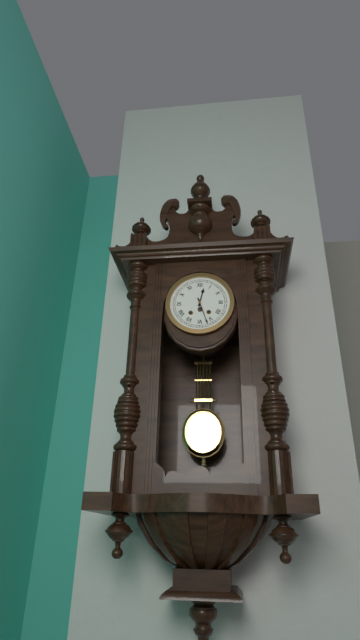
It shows 12h27
